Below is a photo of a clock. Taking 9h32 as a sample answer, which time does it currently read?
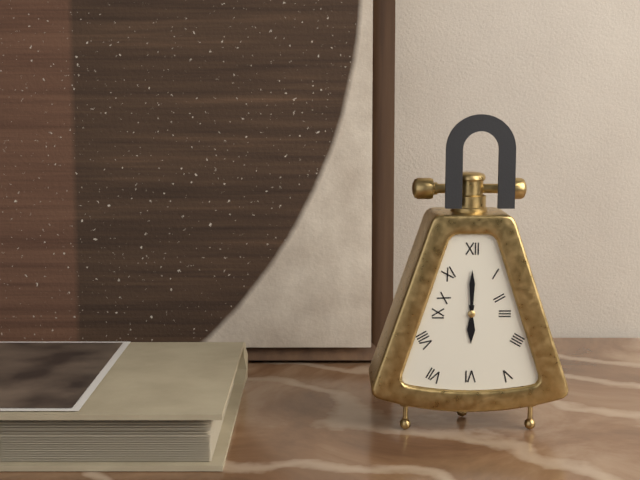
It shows 6h00
